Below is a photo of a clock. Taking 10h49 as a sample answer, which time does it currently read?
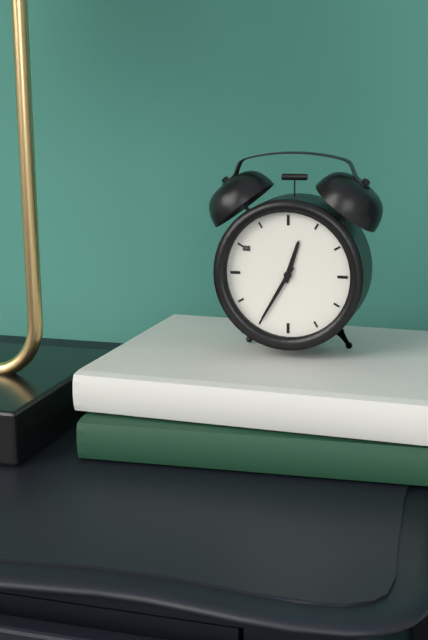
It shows 12h35
